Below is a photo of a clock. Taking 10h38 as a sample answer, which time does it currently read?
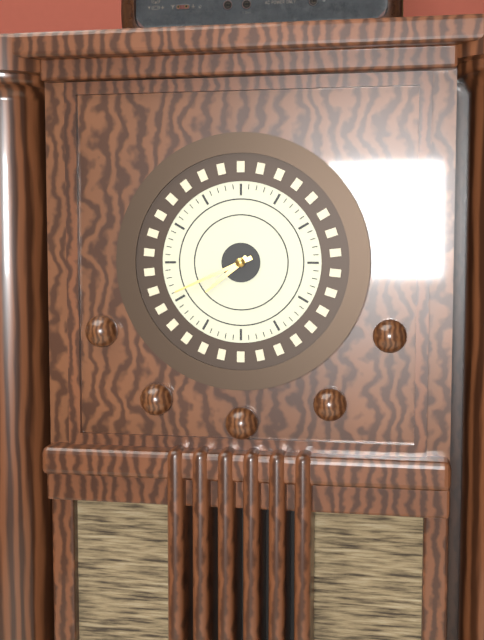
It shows 7h41
